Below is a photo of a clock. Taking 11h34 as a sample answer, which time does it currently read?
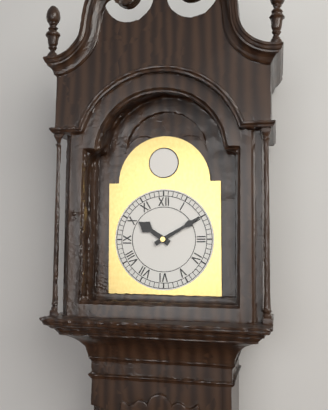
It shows 10h10
